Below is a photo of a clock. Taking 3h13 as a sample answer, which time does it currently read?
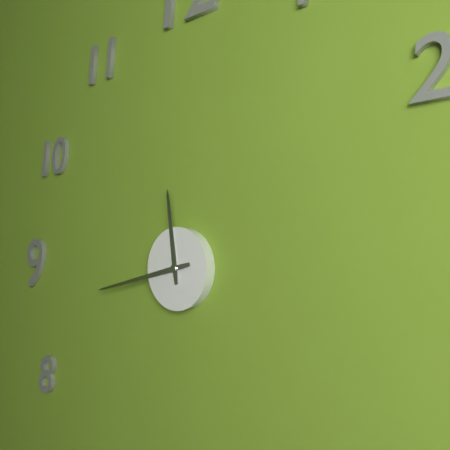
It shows 11h43
